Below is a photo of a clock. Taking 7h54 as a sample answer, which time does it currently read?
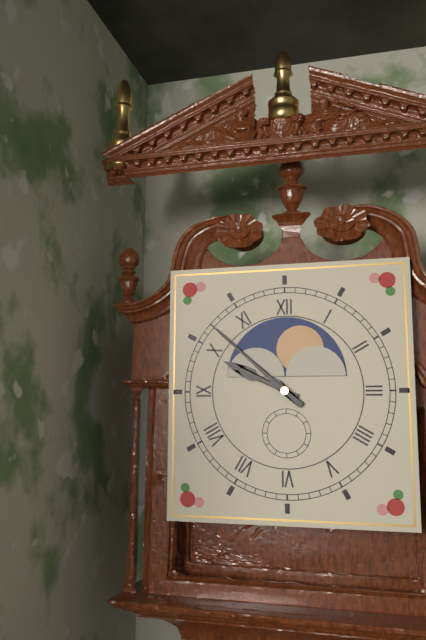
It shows 9h52
